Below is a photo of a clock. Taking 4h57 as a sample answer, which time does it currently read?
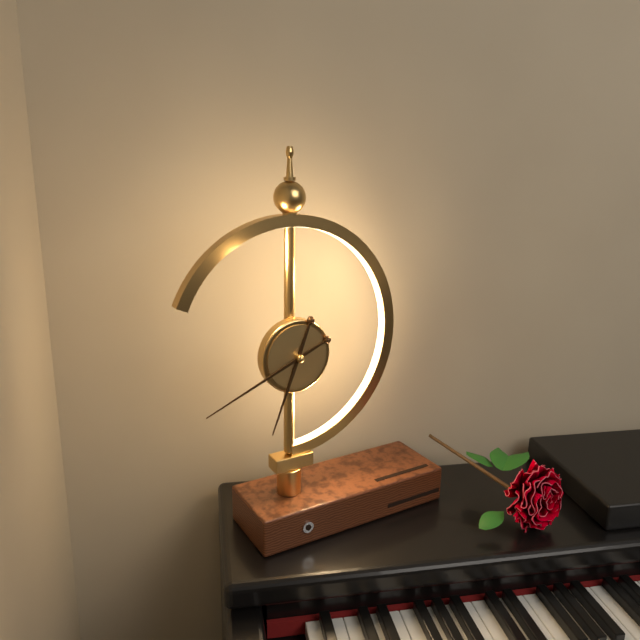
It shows 6h41
